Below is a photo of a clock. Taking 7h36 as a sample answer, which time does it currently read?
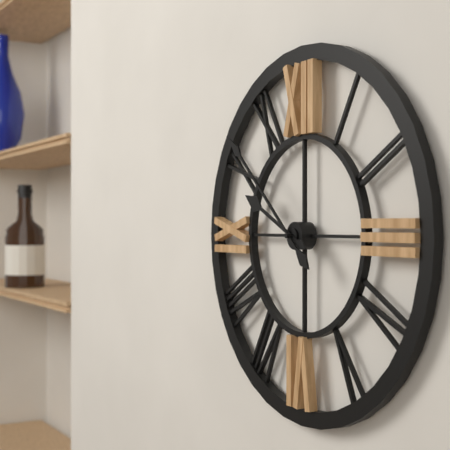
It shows 9h52
